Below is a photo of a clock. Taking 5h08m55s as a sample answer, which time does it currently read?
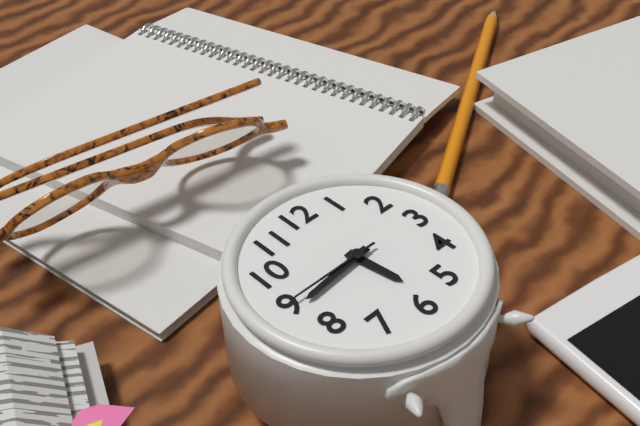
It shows 5h44m45s
